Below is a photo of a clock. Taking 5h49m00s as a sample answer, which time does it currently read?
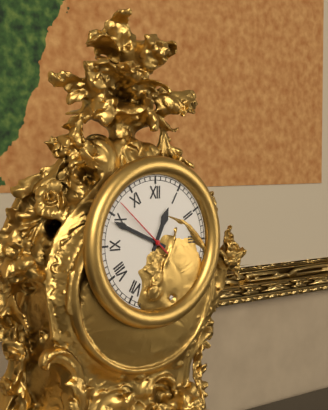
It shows 12h49m52s
